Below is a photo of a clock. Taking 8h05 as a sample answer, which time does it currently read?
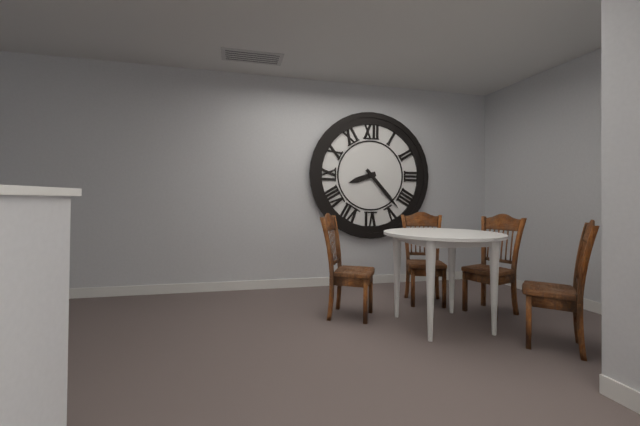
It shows 8h23
